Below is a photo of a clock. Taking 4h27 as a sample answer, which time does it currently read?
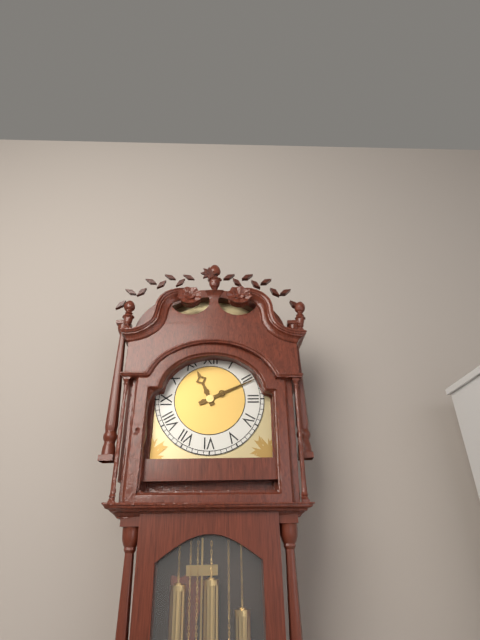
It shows 11h11
